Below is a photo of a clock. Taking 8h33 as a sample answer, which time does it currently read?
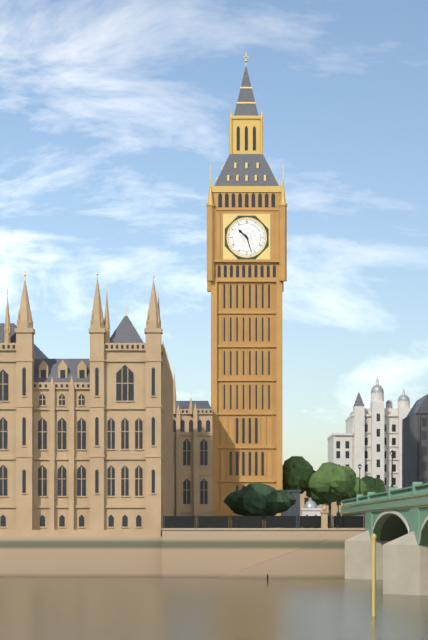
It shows 10h27
